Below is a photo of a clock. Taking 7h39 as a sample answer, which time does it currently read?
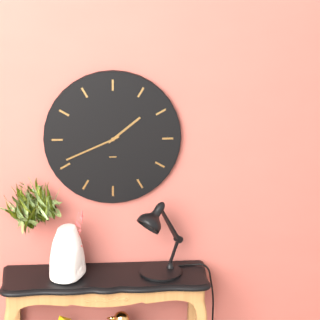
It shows 1h41
